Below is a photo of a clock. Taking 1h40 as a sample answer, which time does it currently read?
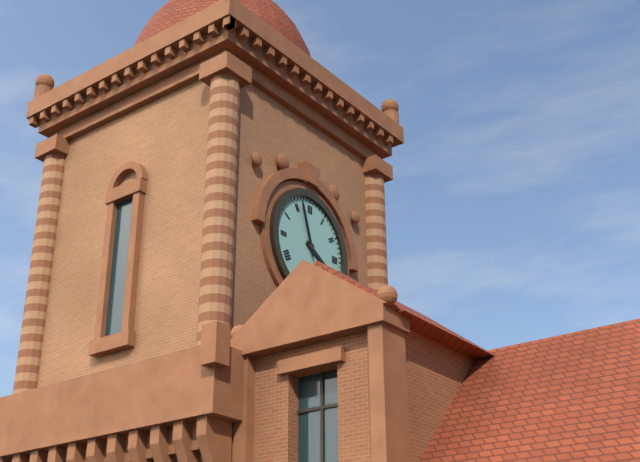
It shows 3h57
